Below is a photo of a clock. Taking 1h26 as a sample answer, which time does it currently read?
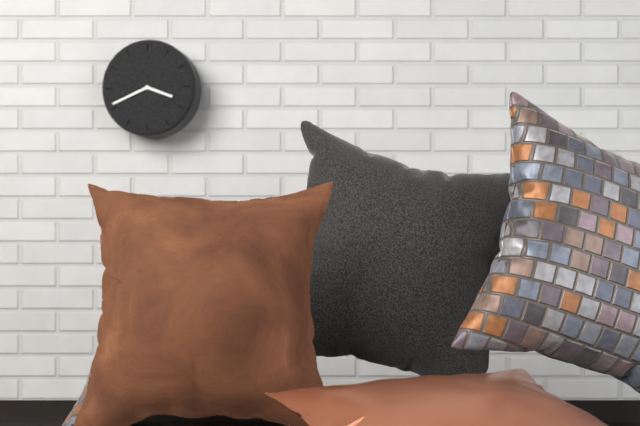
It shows 3h41
